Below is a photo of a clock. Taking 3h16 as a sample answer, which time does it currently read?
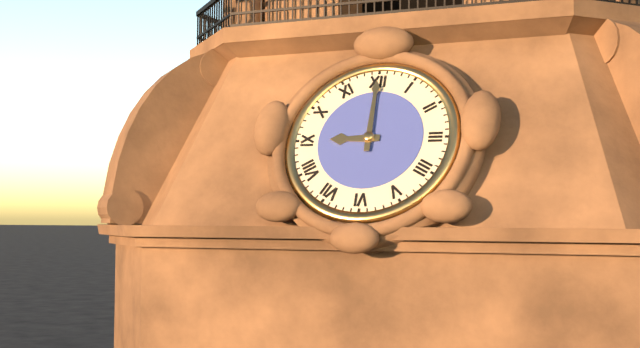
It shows 9h00
